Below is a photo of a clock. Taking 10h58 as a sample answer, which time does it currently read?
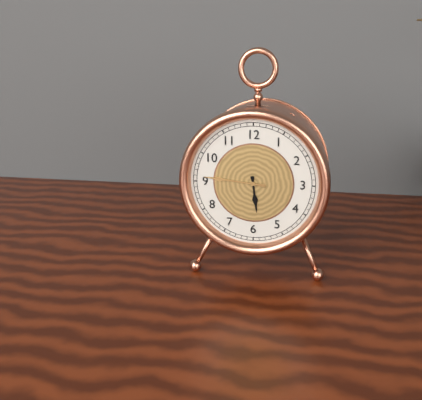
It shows 5h46
